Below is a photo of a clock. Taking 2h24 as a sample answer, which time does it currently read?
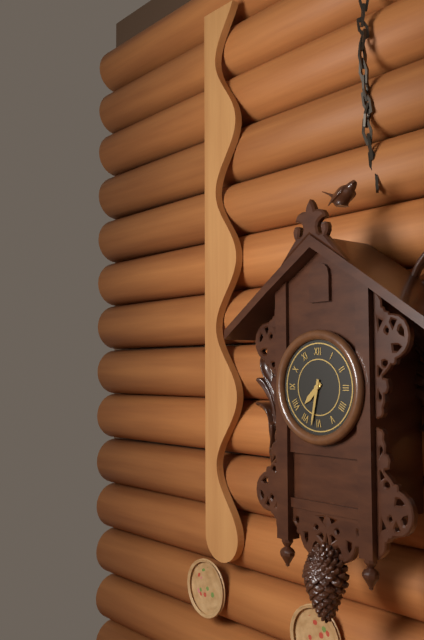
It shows 7h32
